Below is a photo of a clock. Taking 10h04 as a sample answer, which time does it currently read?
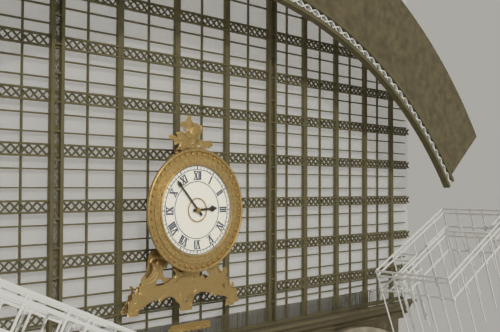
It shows 2h53
